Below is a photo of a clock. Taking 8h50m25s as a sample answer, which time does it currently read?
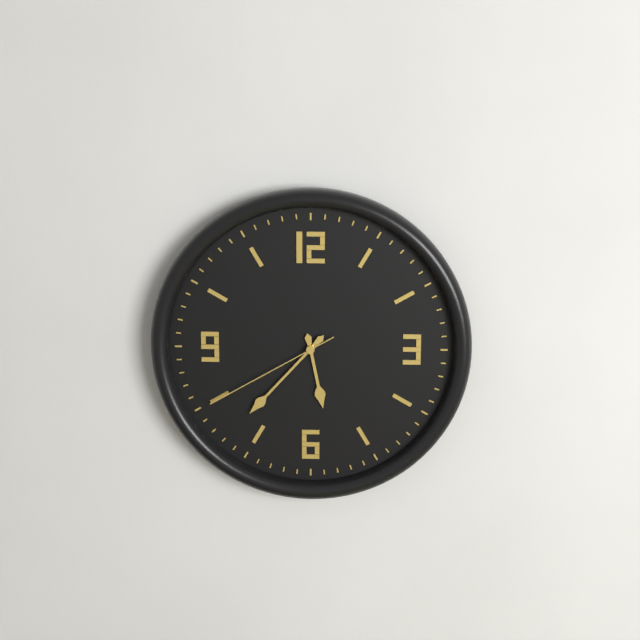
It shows 5h37m40s
